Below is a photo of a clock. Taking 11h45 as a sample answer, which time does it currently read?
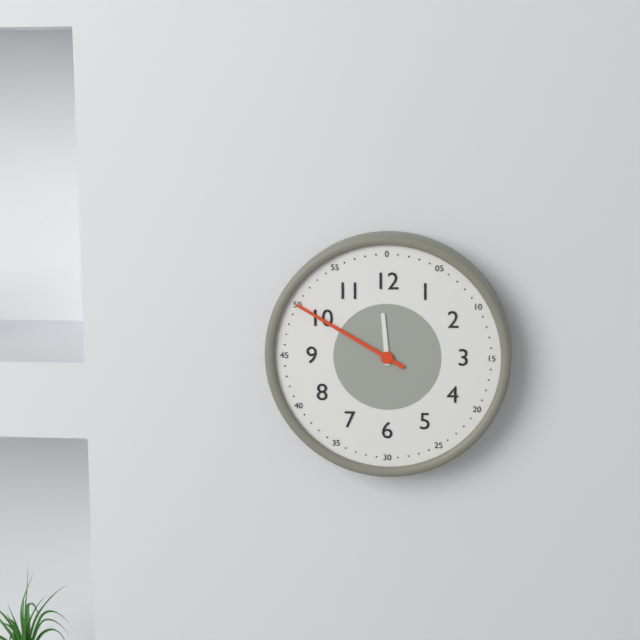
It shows 11h50
